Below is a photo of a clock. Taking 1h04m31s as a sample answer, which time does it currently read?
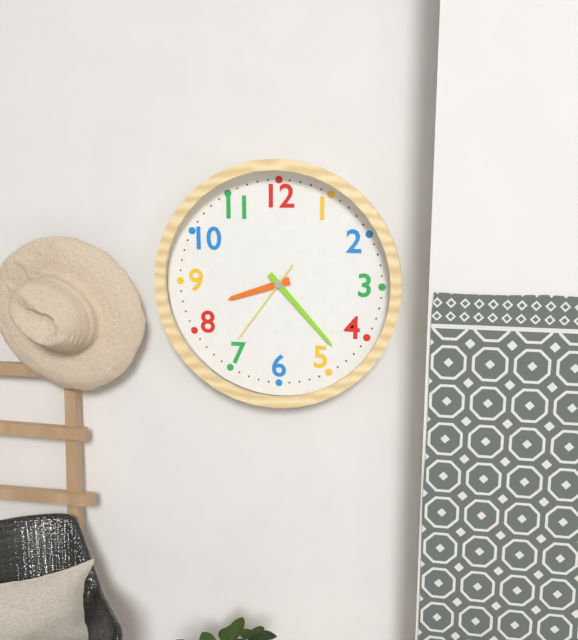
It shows 8h23m36s
